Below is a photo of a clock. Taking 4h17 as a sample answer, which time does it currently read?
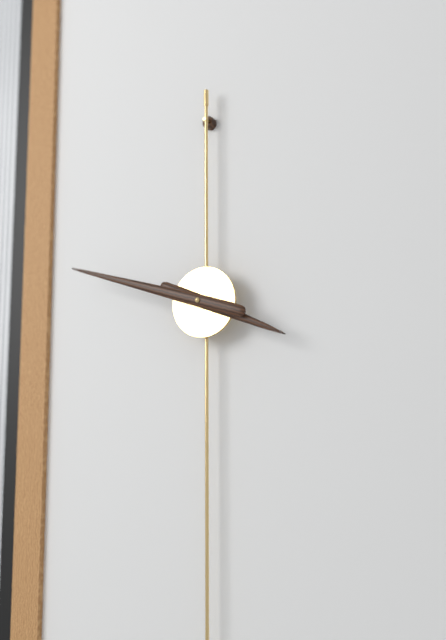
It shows 3h48
